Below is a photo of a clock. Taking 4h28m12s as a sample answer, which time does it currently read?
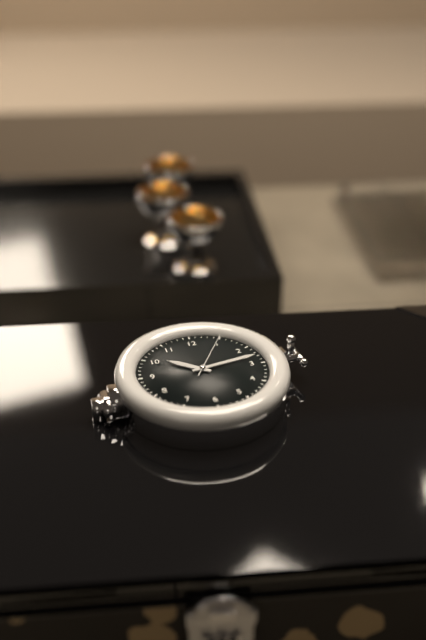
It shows 10h13m05s
